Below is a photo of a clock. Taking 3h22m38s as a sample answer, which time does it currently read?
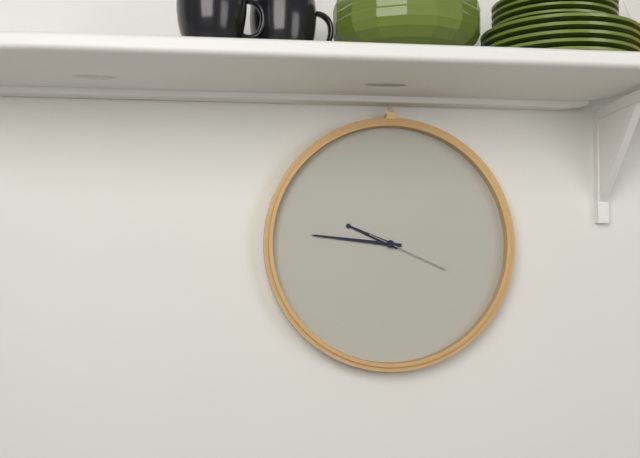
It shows 9h46m19s
